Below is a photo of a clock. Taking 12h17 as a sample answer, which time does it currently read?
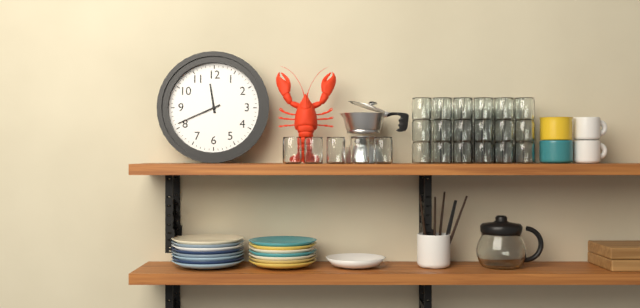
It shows 11h41
